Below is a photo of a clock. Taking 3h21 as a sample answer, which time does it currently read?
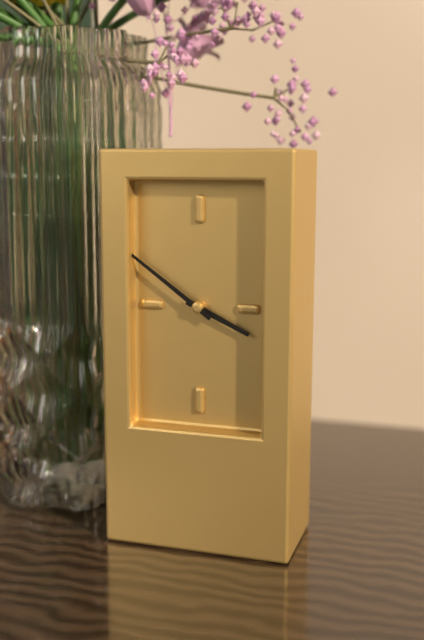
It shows 3h51
